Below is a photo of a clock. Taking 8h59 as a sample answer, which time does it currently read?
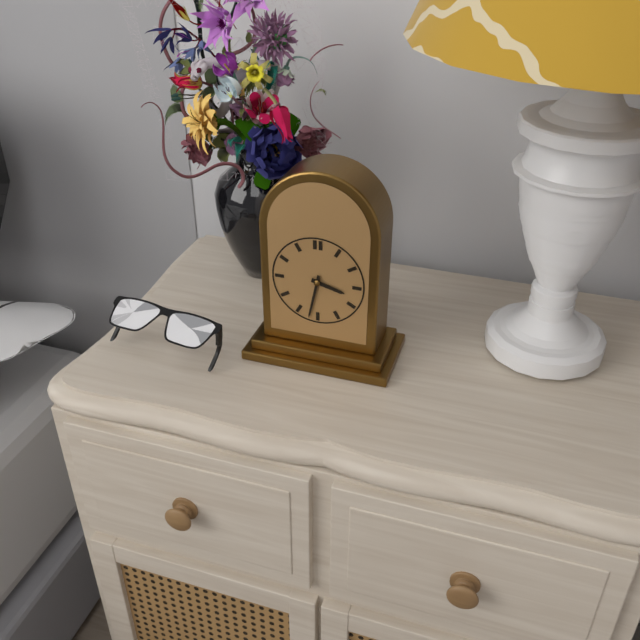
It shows 3h32
